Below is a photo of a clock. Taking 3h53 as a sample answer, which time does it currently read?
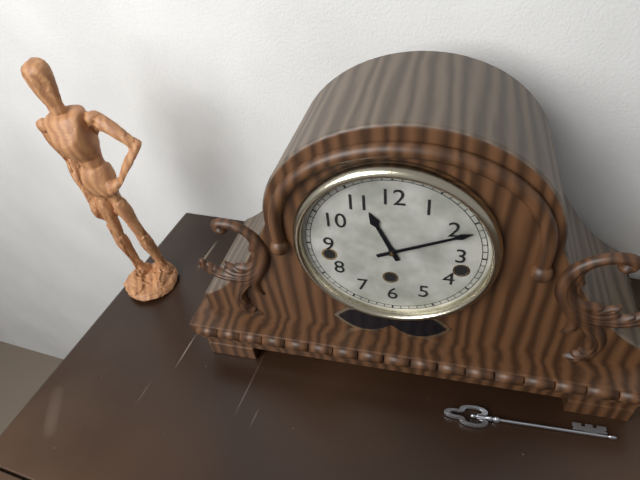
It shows 11h11
